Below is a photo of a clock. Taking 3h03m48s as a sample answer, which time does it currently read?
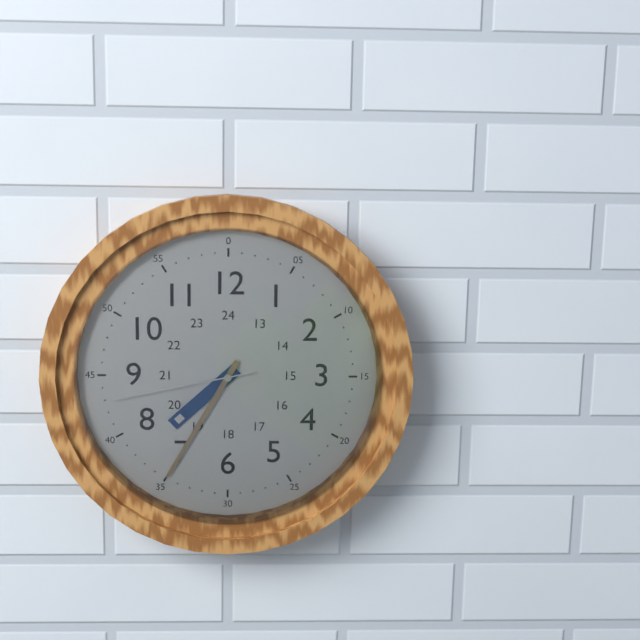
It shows 7h35m43s
